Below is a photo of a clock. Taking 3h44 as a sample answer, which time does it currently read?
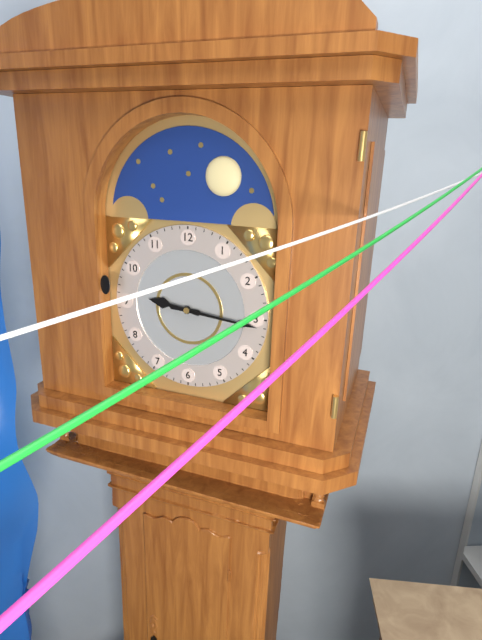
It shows 9h16
